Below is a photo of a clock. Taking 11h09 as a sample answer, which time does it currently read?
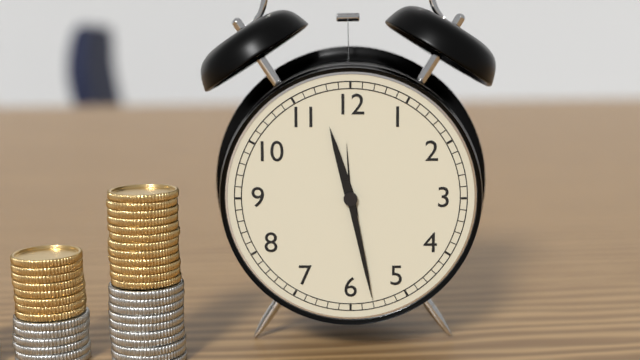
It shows 11h28
